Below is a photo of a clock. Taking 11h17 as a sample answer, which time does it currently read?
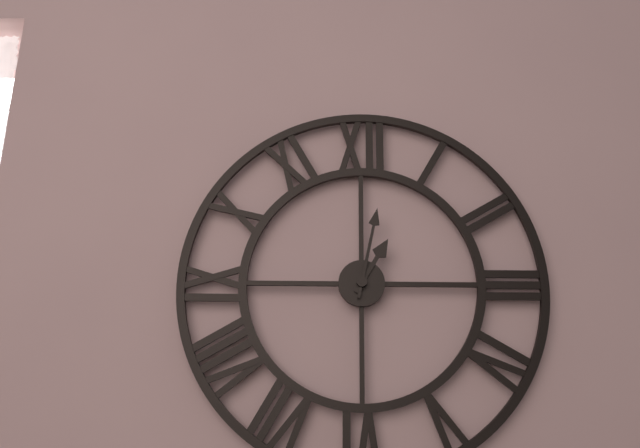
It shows 1h02
